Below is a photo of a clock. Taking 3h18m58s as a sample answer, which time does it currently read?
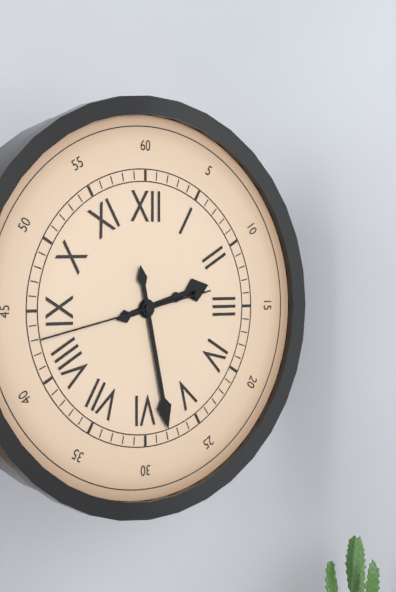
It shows 2h28m43s
